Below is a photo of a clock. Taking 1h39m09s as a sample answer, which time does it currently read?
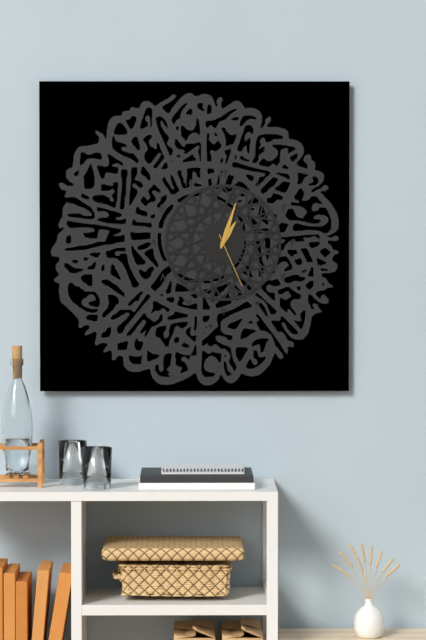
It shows 1h03m26s
